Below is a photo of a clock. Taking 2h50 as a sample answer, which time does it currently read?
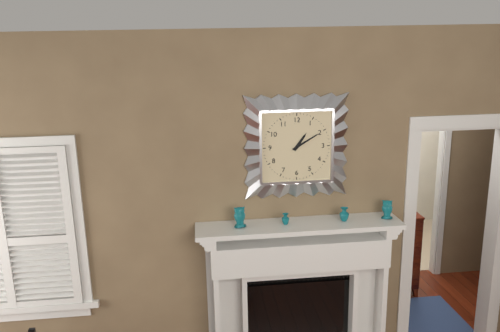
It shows 1h10
